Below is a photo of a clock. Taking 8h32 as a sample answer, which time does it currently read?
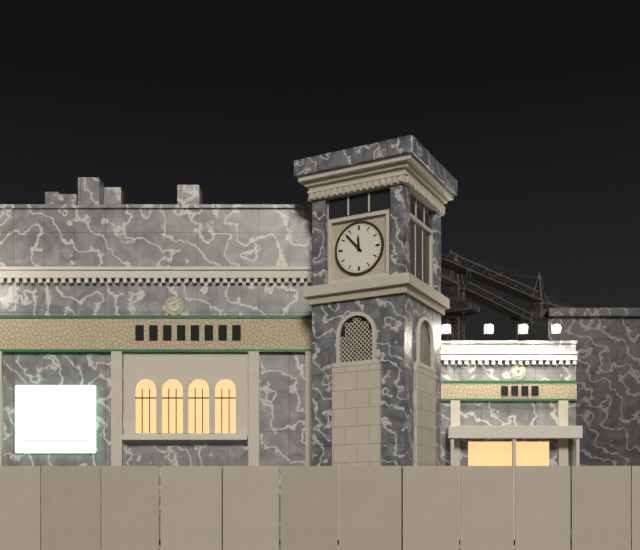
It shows 11h53
